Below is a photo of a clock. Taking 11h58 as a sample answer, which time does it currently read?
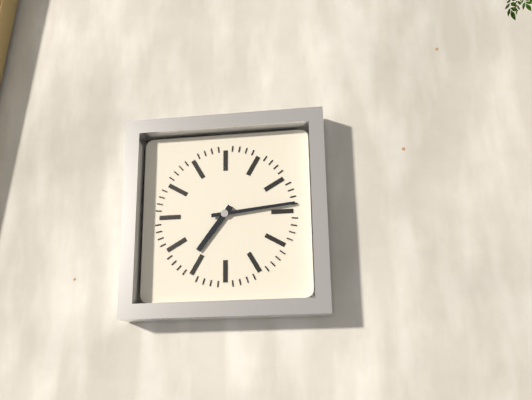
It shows 7h14
